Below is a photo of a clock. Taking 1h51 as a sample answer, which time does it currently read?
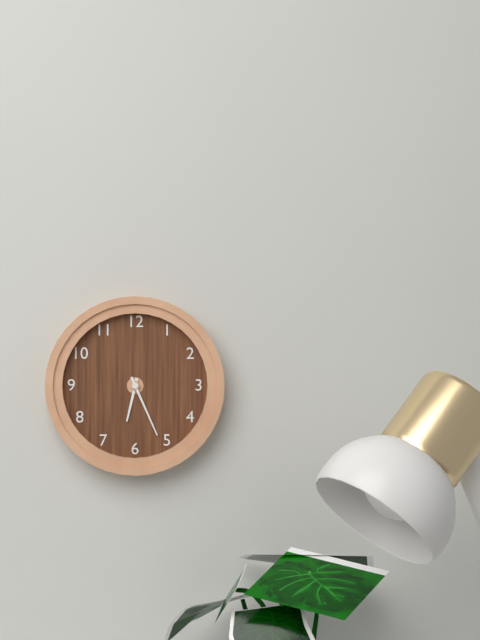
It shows 6h26
